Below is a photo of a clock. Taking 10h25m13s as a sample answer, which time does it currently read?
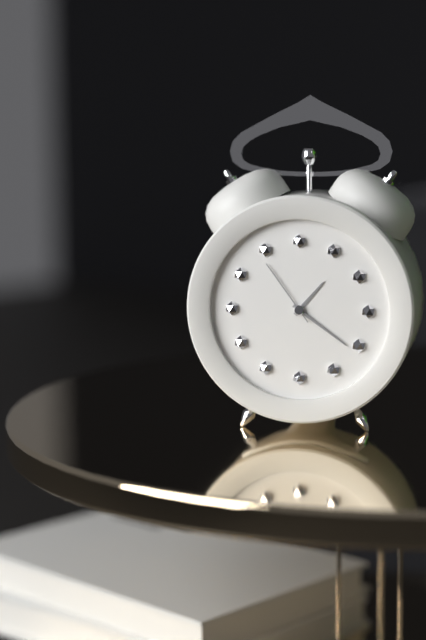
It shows 1h21m54s
